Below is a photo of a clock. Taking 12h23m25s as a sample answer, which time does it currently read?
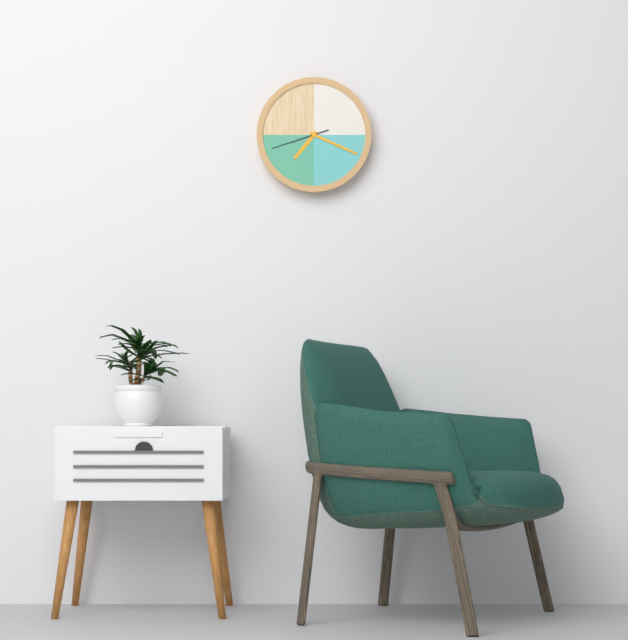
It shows 7h19m42s
